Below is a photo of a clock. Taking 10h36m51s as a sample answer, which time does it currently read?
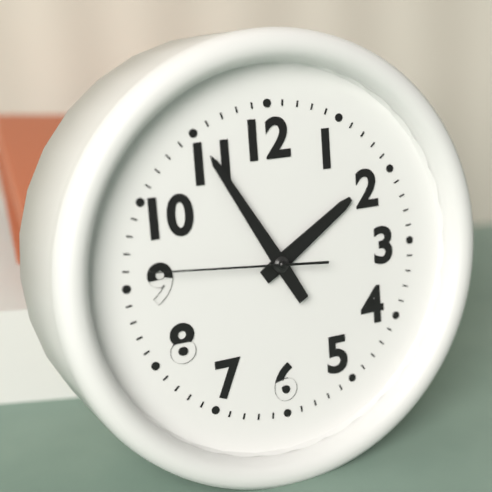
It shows 1h55m46s
